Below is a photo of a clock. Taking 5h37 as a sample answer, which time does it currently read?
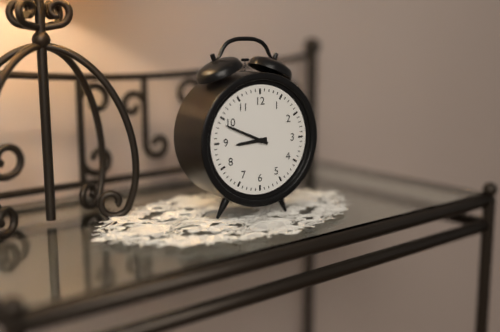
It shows 8h49
